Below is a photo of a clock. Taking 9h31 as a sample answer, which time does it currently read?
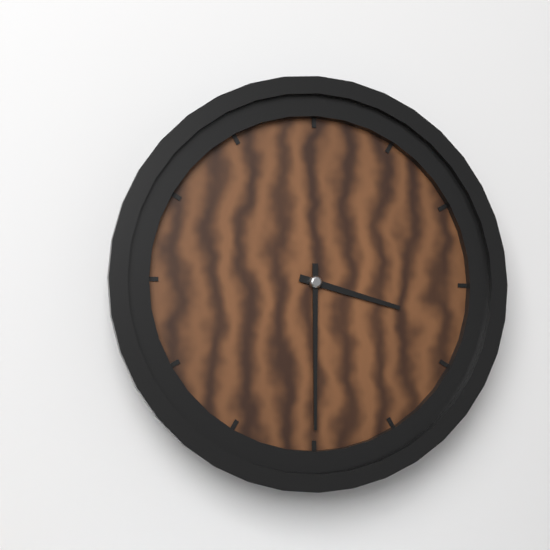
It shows 3h30
